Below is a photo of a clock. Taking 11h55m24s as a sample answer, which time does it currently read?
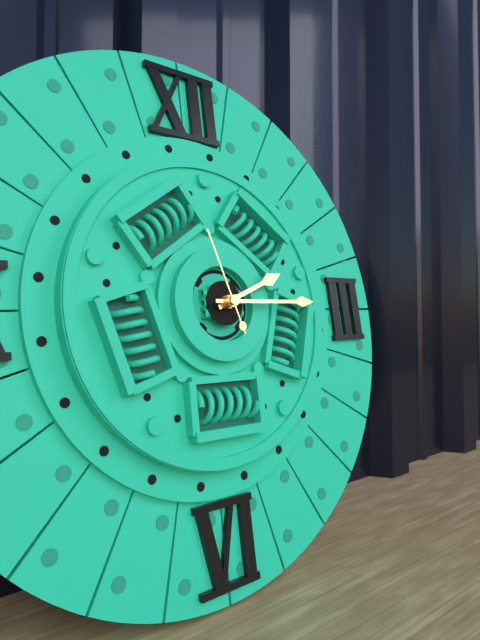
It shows 2h15m57s
